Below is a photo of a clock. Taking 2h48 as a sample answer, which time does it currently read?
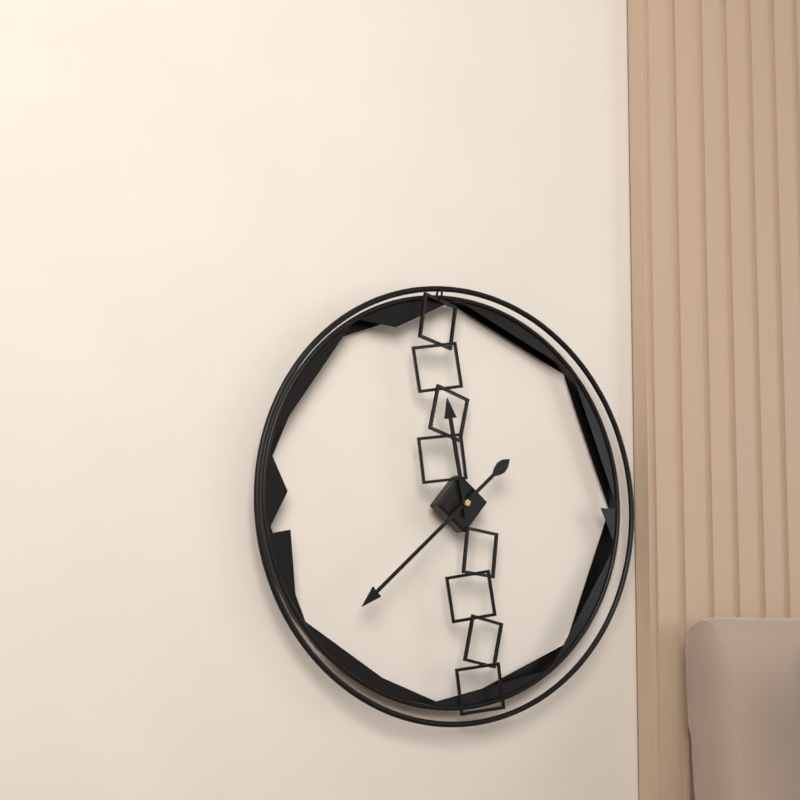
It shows 11h38
